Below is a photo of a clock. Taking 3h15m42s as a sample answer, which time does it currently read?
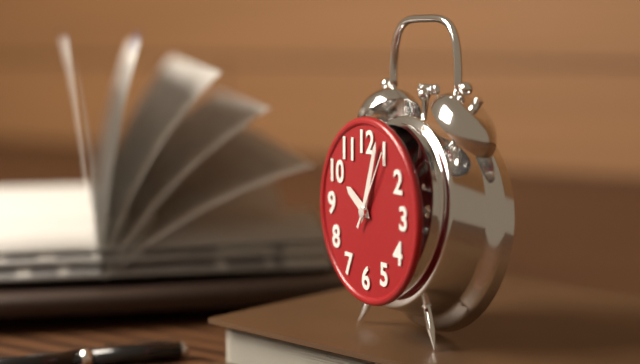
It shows 10h03m05s
